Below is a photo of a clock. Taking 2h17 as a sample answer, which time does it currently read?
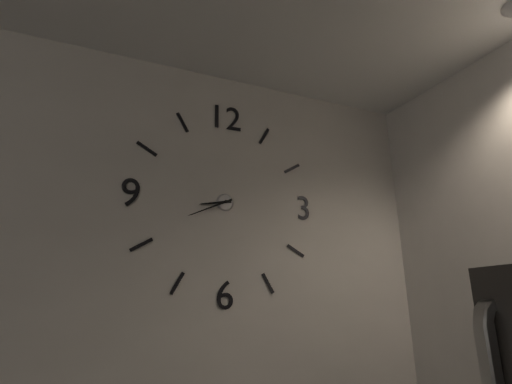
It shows 8h41
